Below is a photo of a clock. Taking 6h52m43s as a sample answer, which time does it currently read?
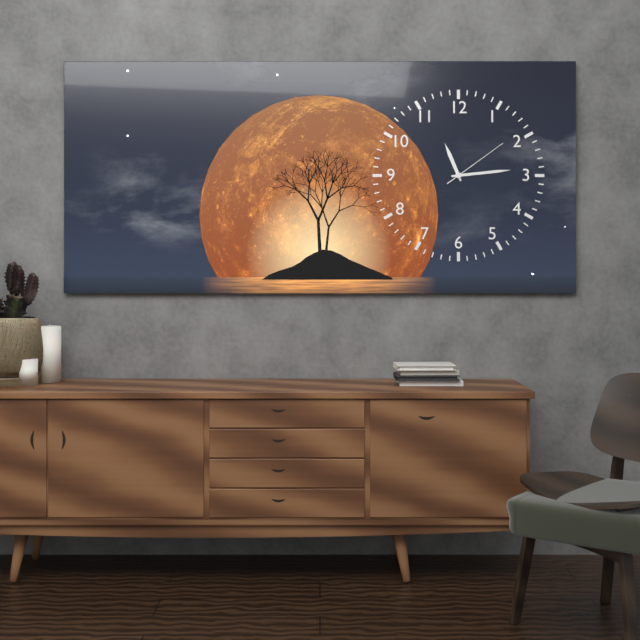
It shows 11h14m09s
